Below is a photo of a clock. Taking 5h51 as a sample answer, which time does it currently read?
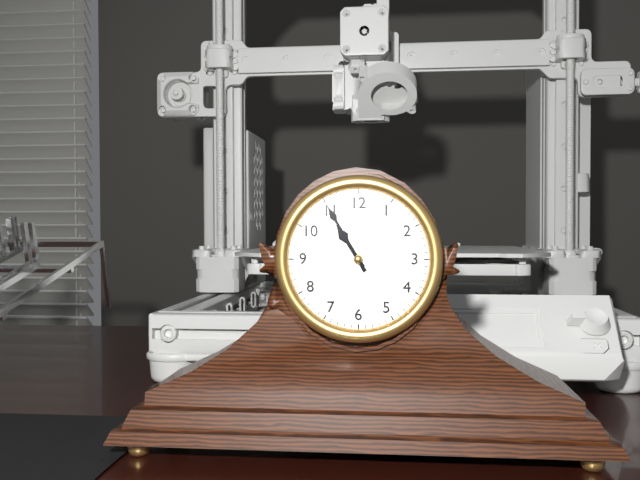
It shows 10h55
